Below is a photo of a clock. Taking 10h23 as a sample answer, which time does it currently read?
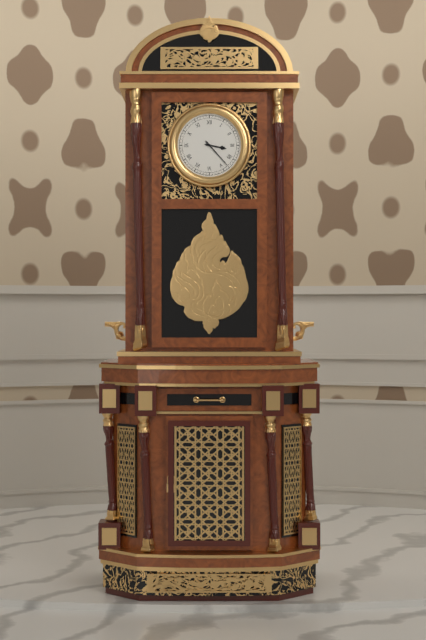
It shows 3h23
